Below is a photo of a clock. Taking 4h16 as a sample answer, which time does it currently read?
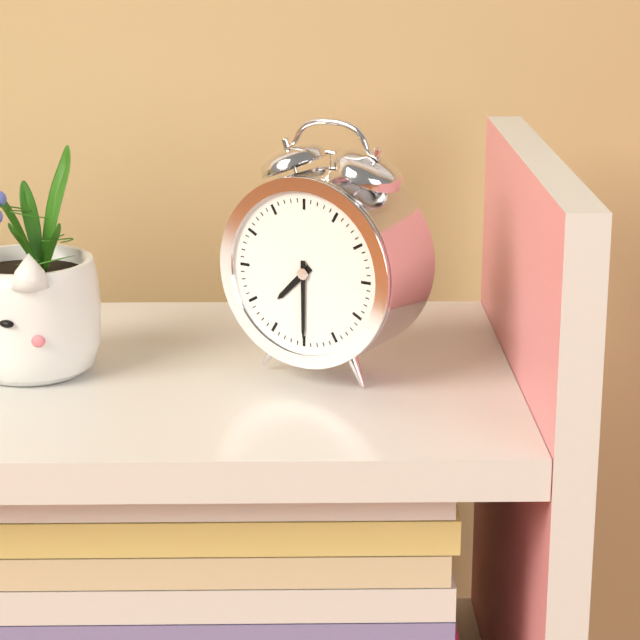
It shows 7h30
